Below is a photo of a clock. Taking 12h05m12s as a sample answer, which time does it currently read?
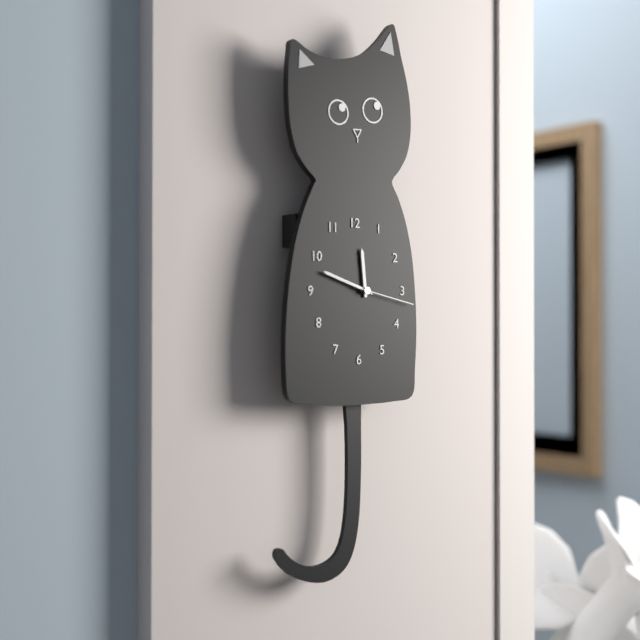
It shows 11h48m17s
